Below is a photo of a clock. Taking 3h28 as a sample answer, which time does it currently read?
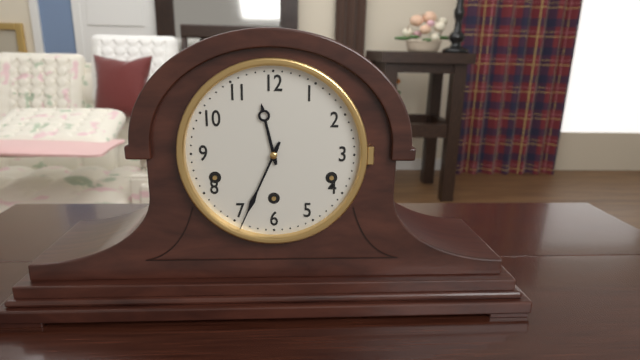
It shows 11h34
